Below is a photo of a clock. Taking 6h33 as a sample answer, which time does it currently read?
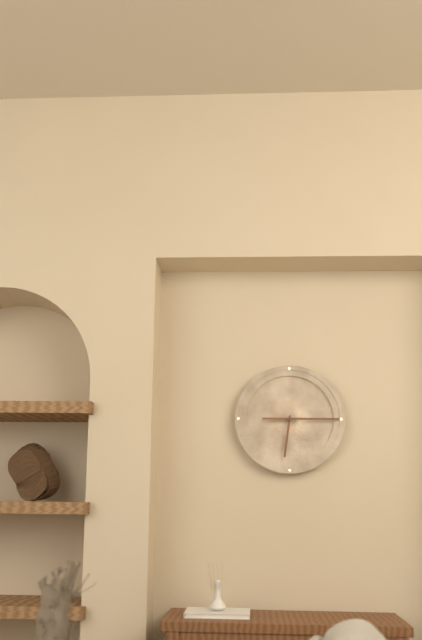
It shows 6h15
